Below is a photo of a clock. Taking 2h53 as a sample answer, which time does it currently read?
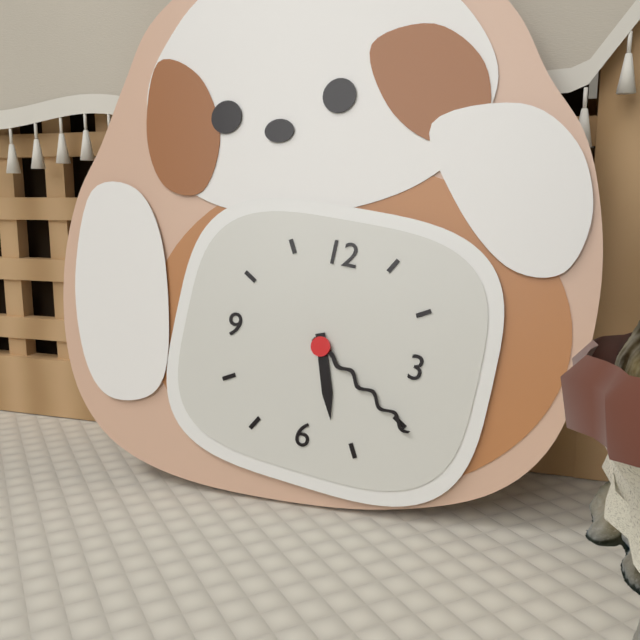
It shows 5h20
